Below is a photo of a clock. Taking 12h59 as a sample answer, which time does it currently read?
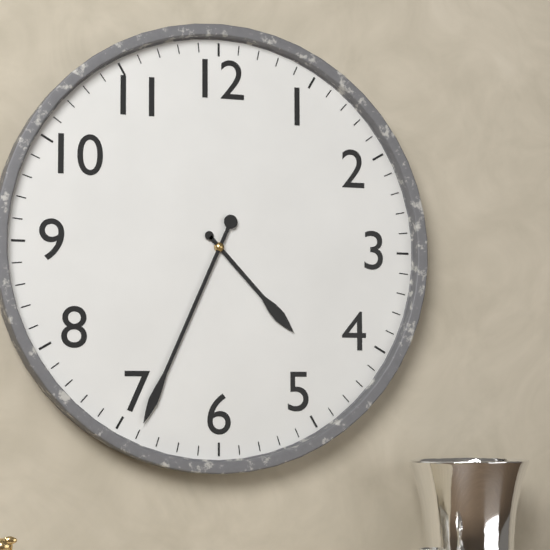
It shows 4h34
